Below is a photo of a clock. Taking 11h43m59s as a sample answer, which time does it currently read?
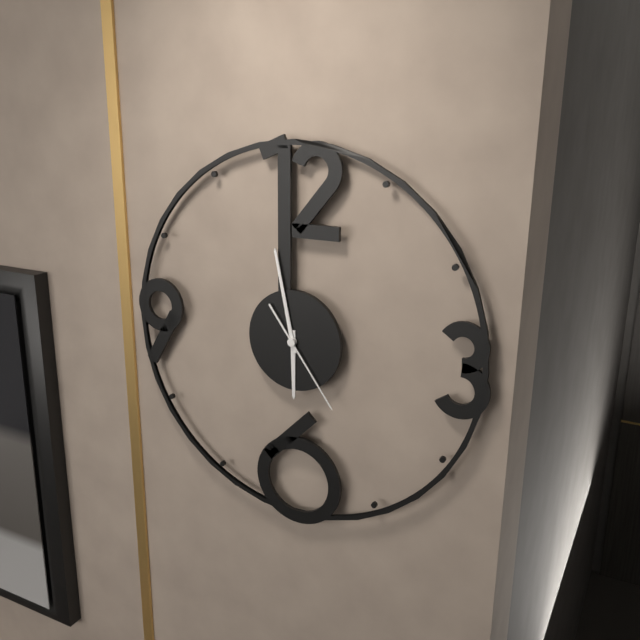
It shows 5h58m24s
